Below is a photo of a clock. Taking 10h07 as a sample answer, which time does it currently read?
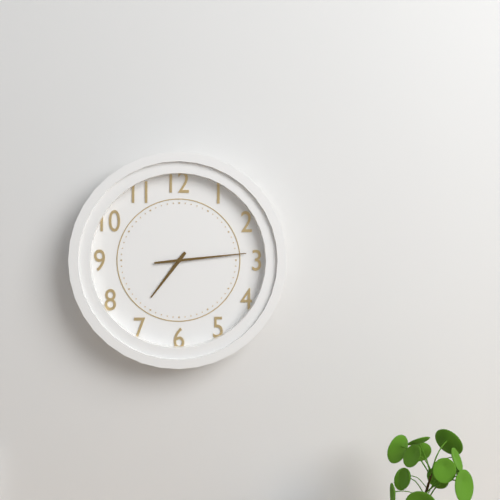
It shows 7h14
